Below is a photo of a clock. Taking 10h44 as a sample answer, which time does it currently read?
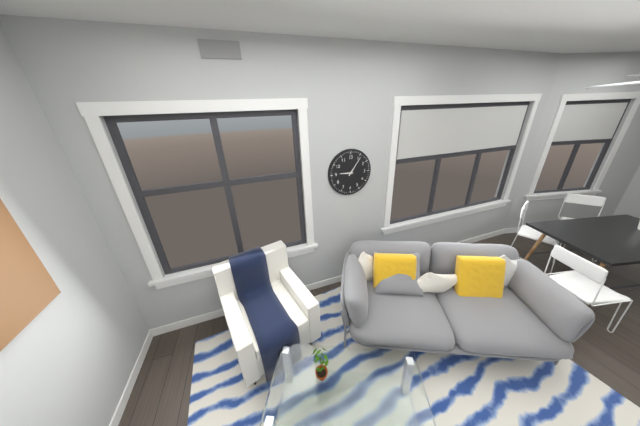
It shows 9h06
